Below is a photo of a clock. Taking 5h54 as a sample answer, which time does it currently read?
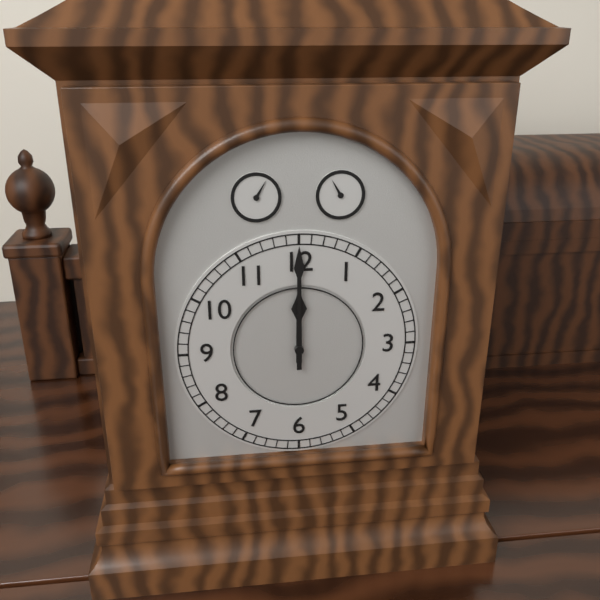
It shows 12h00
